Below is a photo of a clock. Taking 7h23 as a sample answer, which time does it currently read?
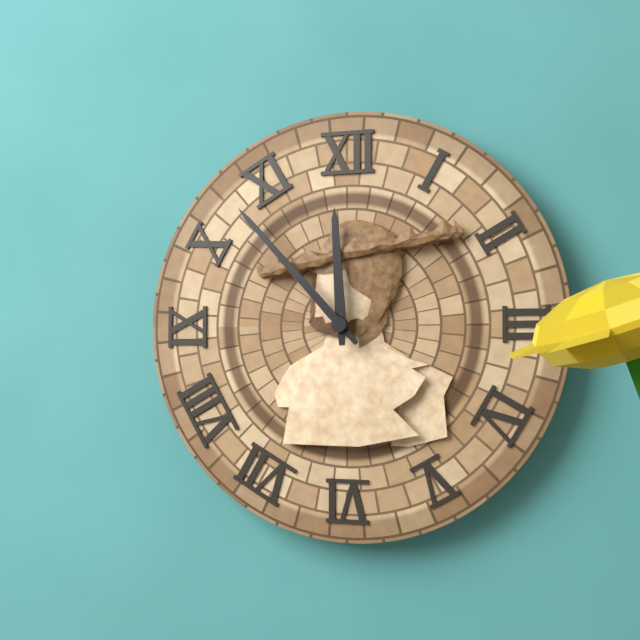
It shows 11h53
